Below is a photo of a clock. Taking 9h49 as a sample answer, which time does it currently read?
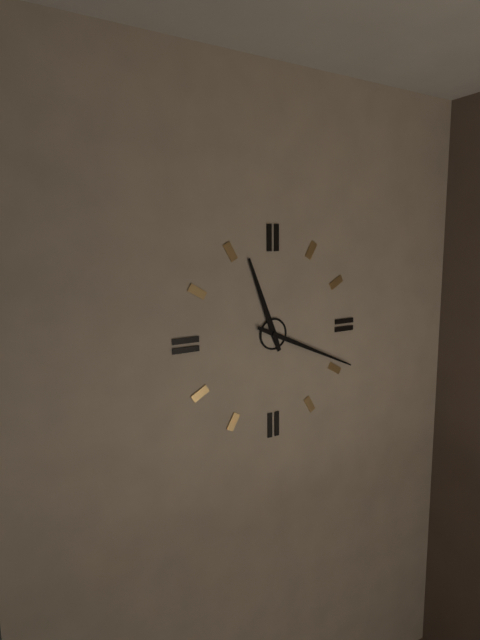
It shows 11h19
